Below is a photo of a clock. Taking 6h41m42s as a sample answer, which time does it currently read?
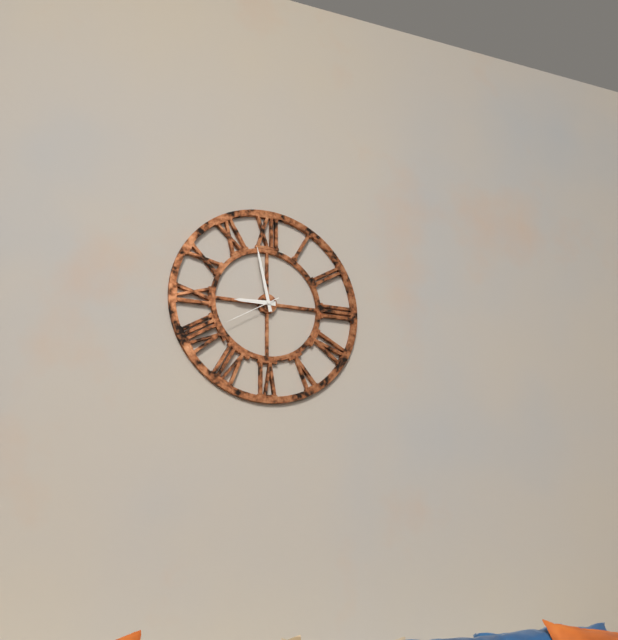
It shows 8h58m40s
